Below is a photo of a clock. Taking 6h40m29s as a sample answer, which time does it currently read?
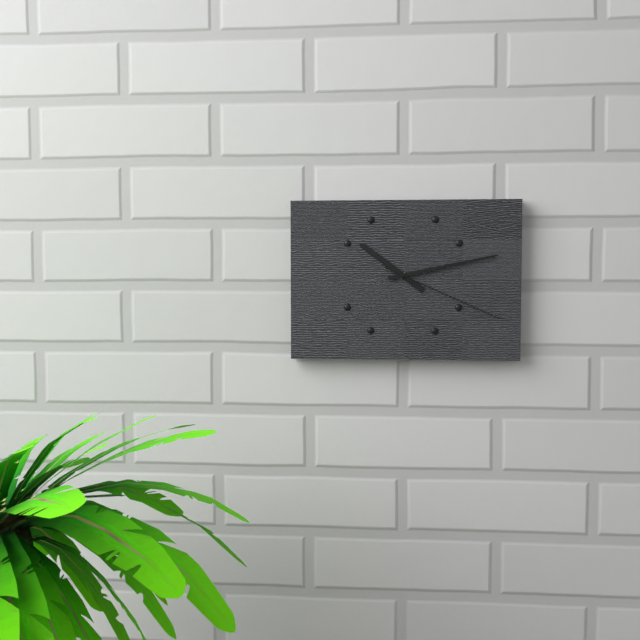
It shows 10h13m19s
